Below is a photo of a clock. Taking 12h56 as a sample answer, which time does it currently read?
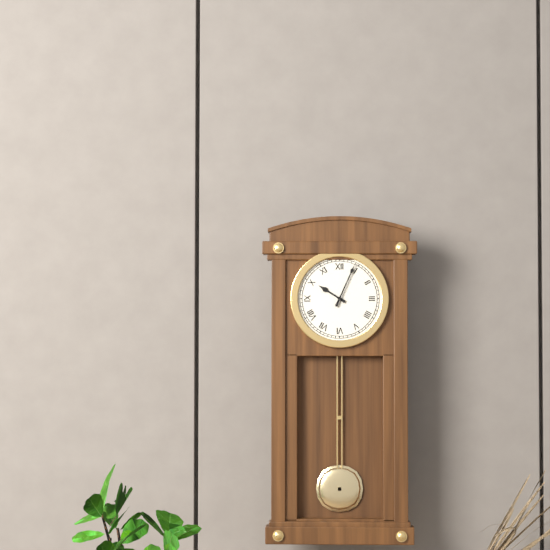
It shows 10h04
